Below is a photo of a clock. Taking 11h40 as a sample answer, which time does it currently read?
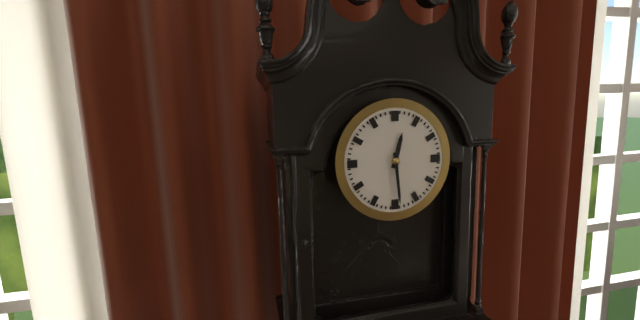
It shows 12h29
